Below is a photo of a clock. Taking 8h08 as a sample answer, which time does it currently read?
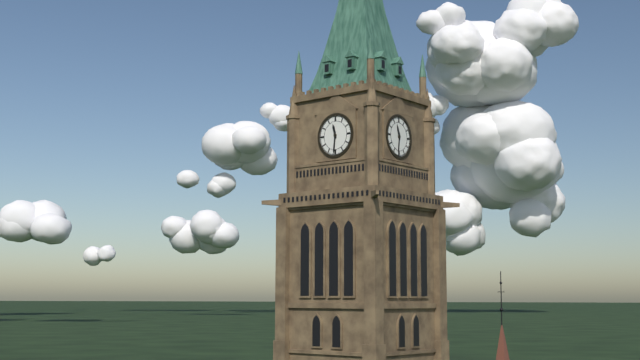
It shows 11h31
